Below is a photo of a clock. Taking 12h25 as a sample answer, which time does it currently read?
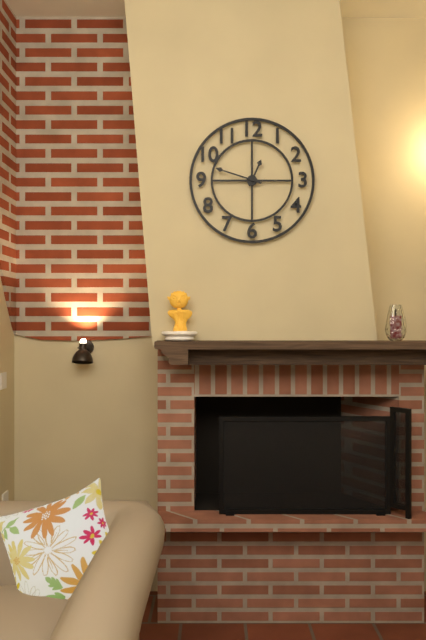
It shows 12h48
